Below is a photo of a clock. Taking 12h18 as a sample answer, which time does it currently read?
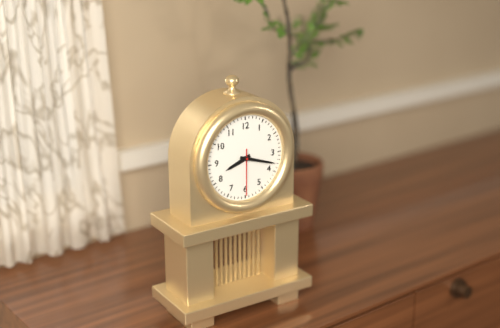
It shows 8h18
